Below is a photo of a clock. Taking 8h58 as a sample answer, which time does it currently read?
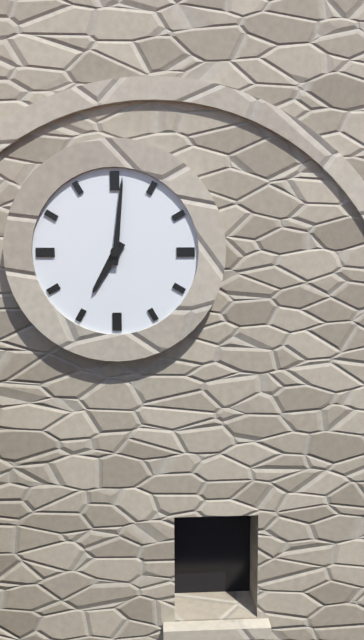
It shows 7h01
